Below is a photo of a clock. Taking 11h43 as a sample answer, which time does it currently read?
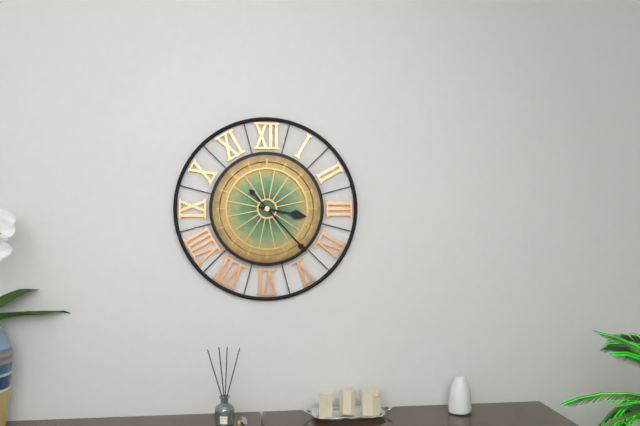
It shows 3h23
